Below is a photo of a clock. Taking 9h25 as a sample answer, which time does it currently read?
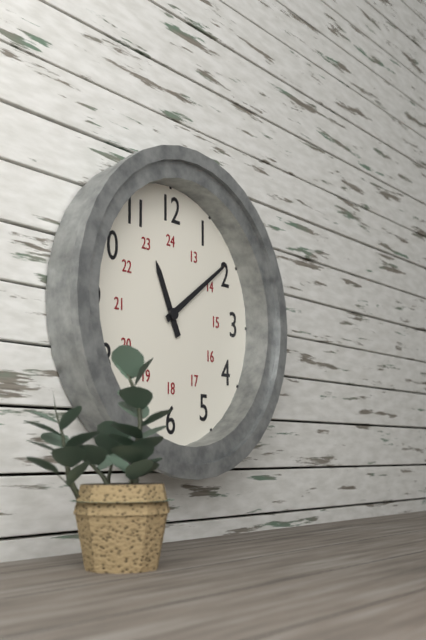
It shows 11h09
